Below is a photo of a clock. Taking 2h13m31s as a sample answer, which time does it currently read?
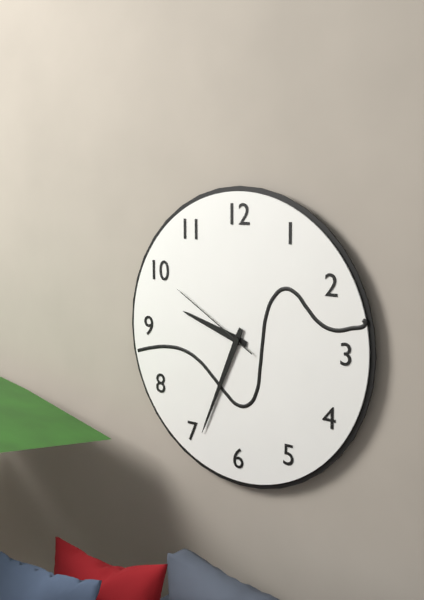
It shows 9h34m50s
